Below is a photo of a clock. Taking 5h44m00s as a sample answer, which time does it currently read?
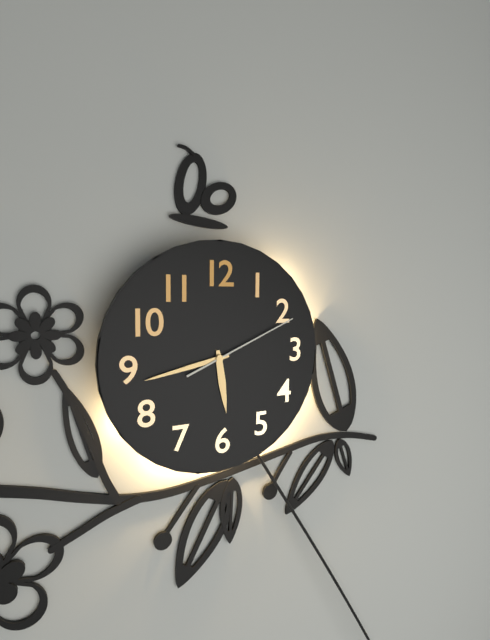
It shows 5h43m11s
